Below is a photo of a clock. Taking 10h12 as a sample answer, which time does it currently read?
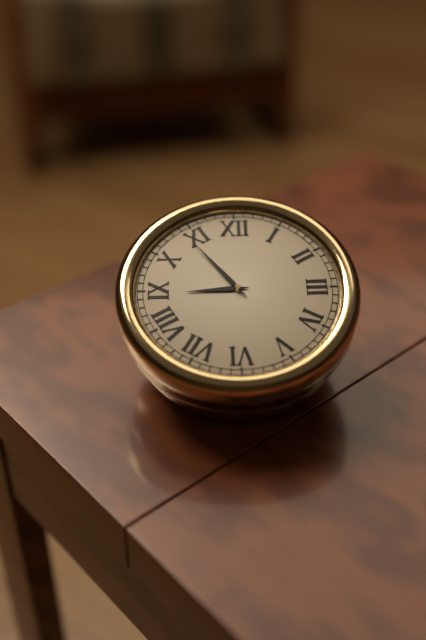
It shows 8h54
